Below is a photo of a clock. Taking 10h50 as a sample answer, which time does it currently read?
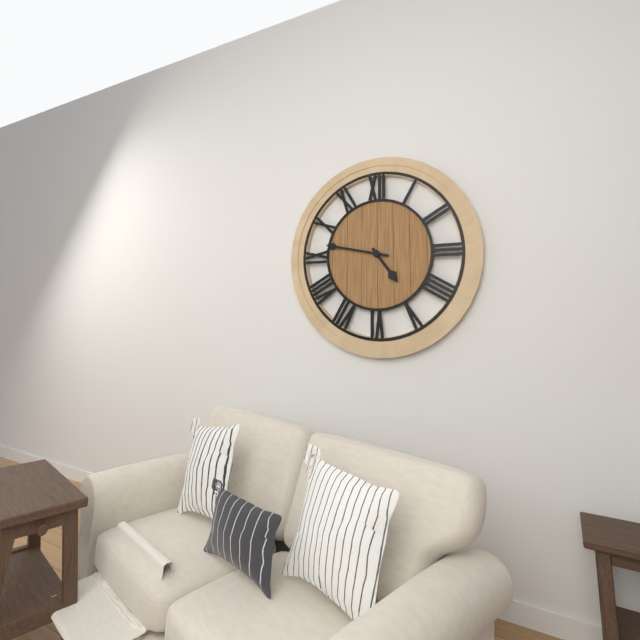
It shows 4h47
